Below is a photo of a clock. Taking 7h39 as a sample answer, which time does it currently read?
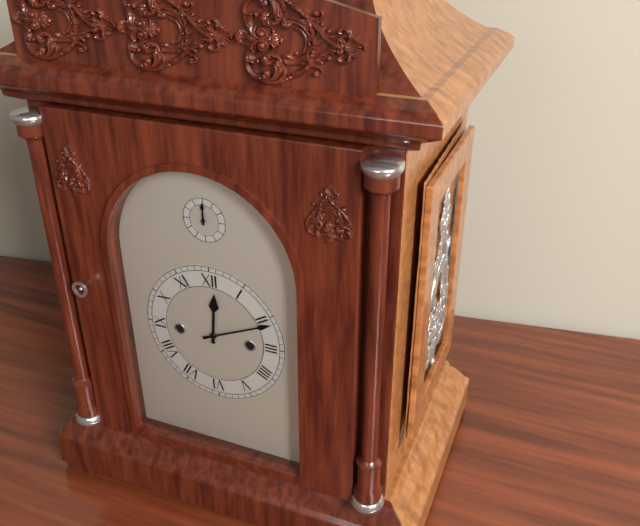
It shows 12h11
